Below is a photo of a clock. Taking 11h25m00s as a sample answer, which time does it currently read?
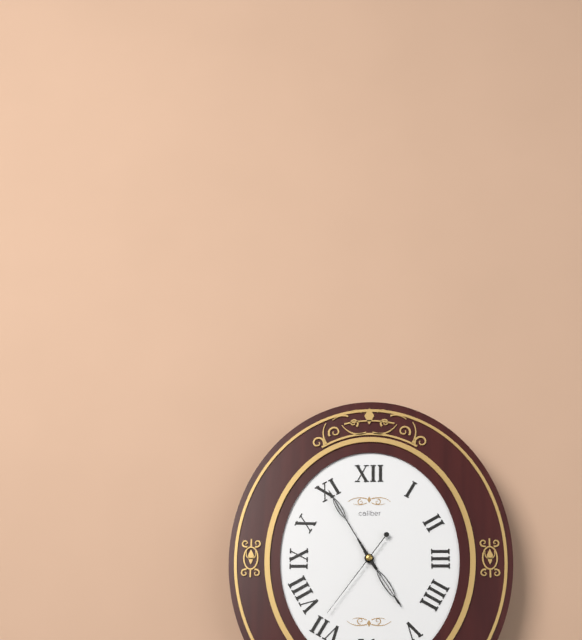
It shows 4h55m36s
